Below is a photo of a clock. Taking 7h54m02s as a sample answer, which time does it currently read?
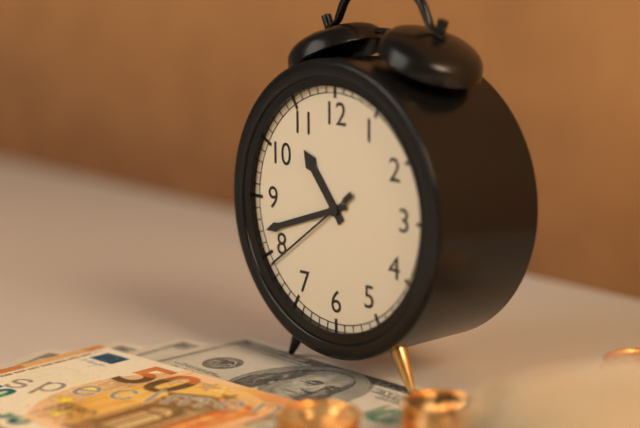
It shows 10h42m39s
